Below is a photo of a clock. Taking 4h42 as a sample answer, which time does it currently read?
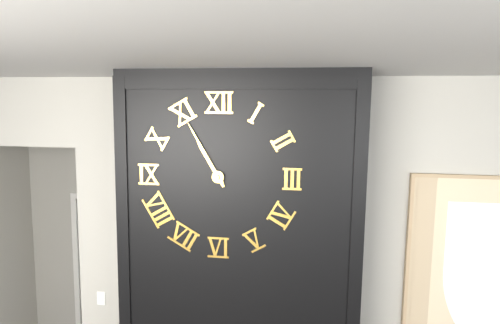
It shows 10h55
